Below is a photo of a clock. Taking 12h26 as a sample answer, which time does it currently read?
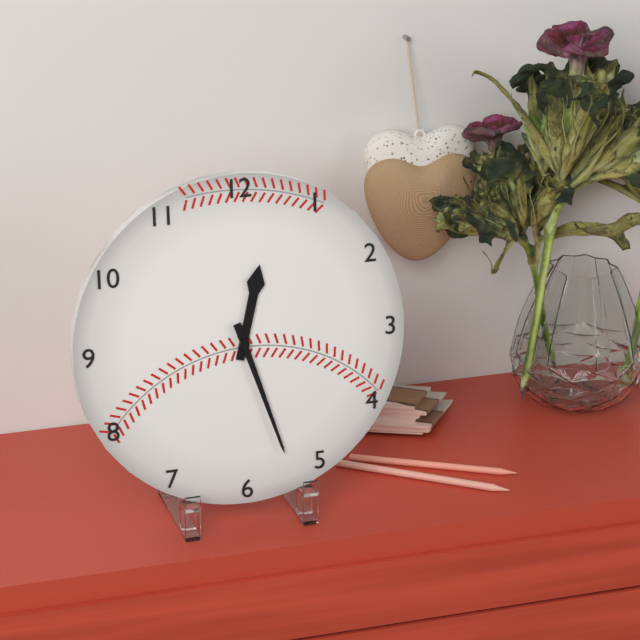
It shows 12h27
